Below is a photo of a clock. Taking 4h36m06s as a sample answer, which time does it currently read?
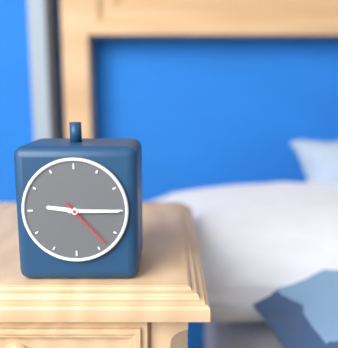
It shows 9h15m23s
